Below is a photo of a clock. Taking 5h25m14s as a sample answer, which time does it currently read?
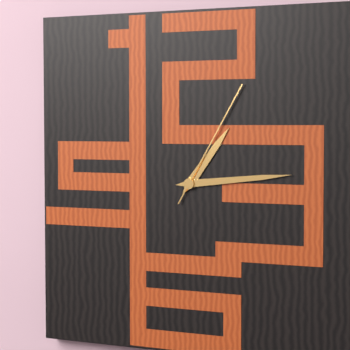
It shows 1h14m05s
